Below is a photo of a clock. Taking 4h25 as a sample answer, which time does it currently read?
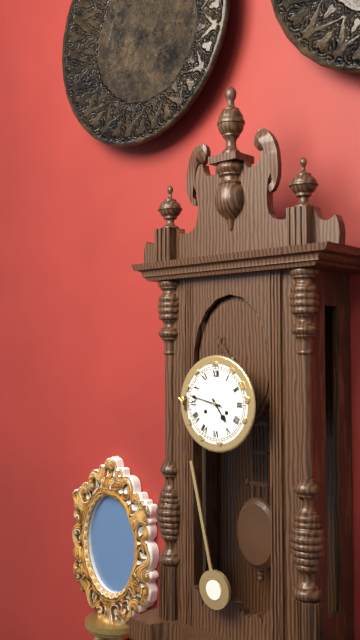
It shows 4h47
